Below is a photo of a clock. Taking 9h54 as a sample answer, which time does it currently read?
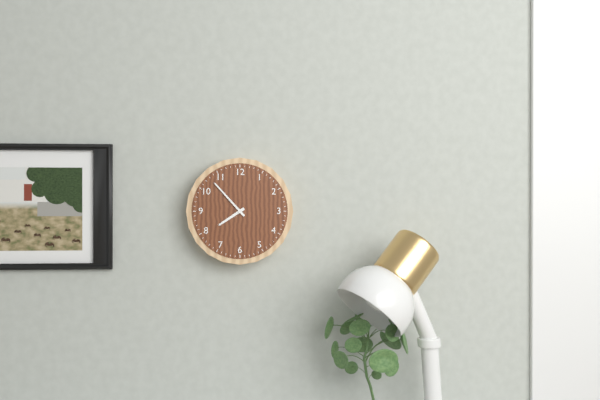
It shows 7h53
